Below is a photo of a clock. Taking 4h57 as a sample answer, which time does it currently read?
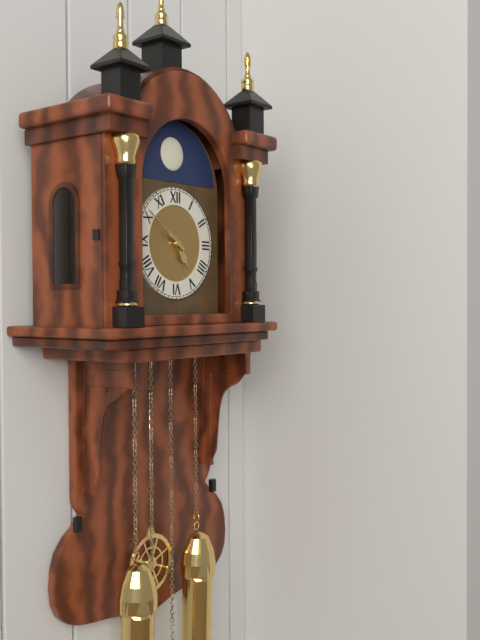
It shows 4h51
